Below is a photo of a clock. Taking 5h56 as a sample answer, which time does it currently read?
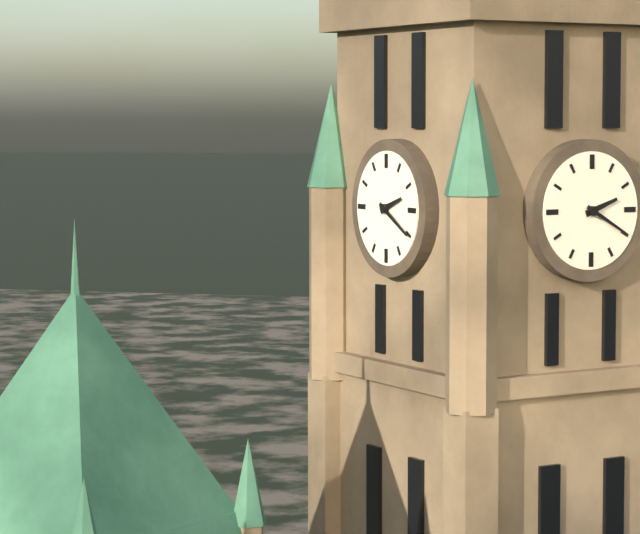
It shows 2h20
